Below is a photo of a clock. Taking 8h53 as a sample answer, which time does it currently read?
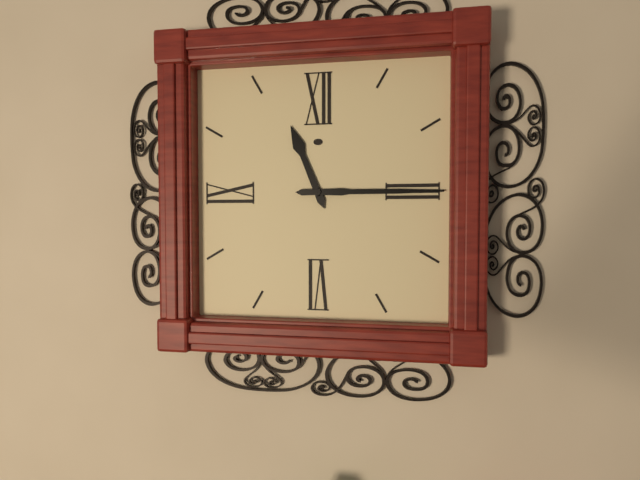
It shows 11h15
